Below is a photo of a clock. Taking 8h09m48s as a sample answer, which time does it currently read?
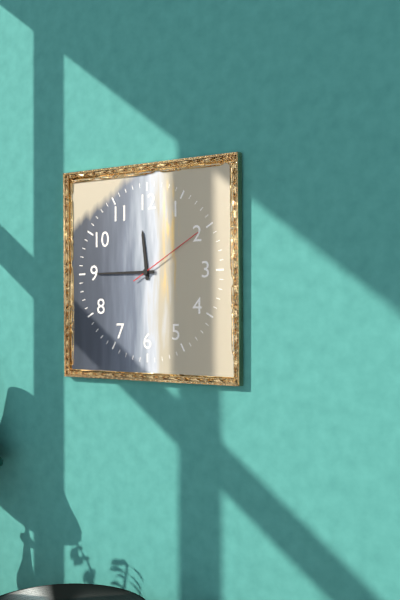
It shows 11h45m10s
